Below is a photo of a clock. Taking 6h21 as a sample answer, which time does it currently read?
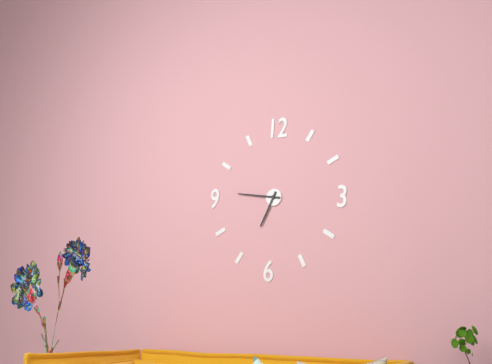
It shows 6h46
